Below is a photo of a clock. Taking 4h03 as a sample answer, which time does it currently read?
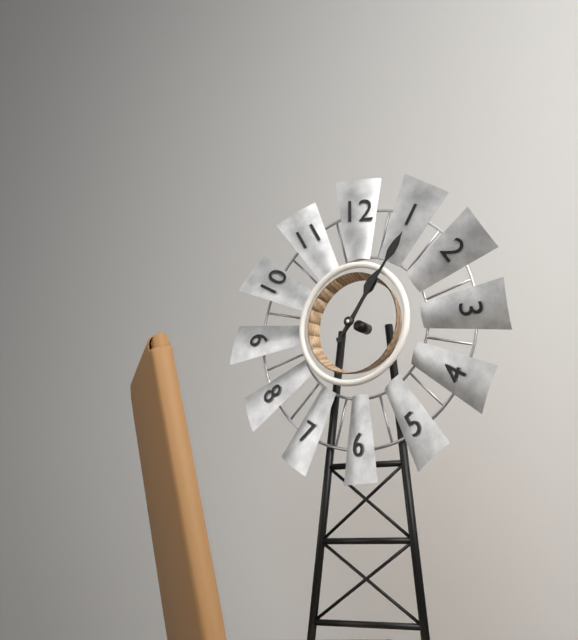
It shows 1h06
